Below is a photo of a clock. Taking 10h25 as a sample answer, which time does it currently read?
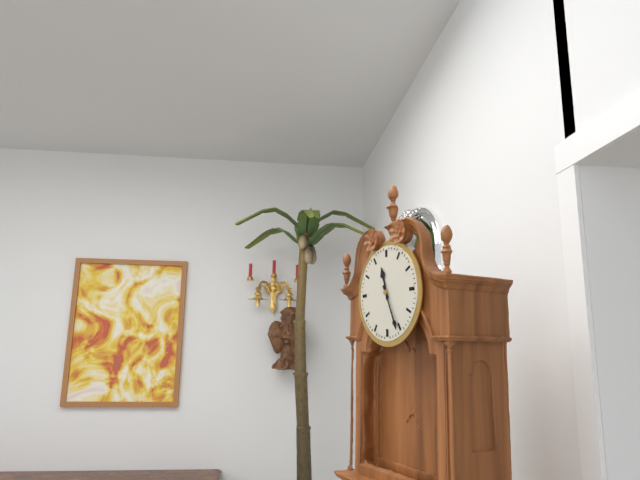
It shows 11h26
